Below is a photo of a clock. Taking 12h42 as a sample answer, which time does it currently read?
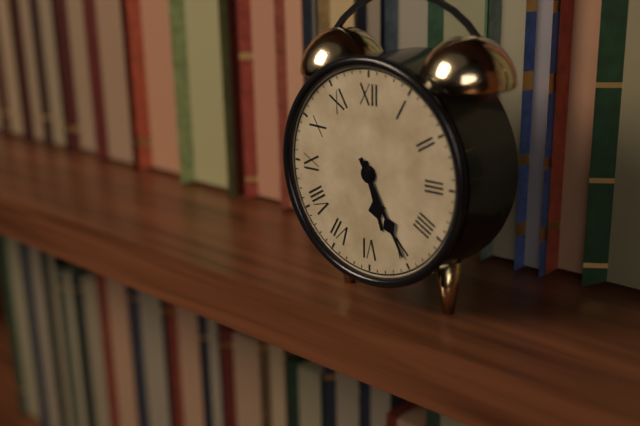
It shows 5h25
